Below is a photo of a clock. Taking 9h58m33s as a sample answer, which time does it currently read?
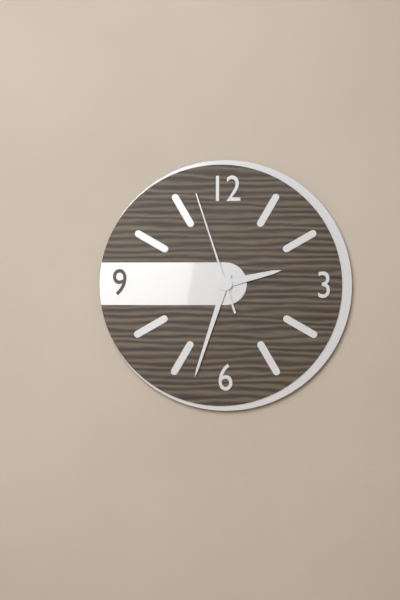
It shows 2h33m57s
